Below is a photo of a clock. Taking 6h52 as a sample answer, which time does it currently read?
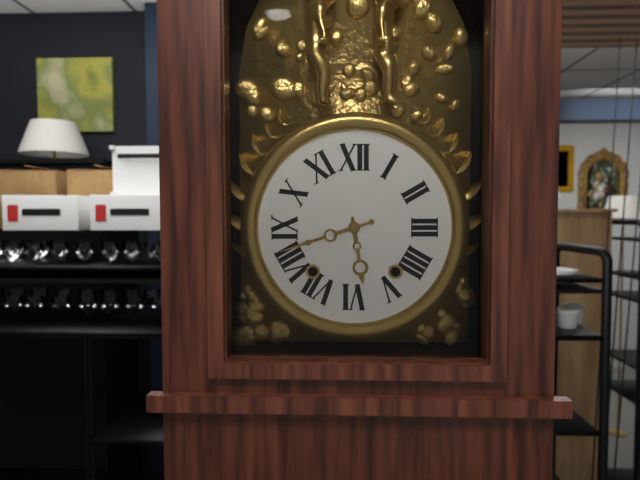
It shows 5h42
